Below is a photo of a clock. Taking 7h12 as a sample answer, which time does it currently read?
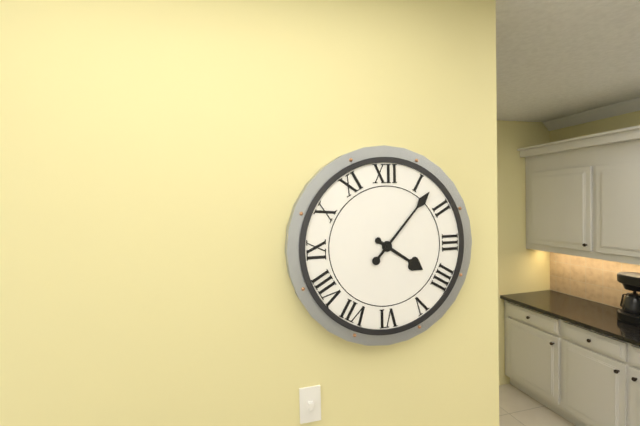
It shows 4h07
